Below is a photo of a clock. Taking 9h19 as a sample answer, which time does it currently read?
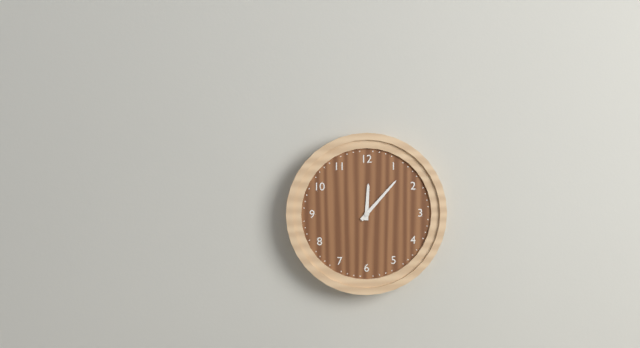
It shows 12h07
